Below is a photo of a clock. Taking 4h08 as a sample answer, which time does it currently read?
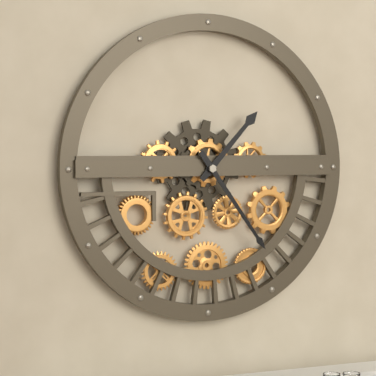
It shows 1h24
